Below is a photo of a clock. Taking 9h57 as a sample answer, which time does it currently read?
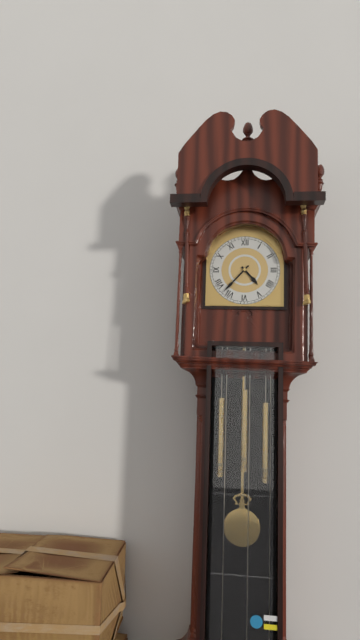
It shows 4h37
